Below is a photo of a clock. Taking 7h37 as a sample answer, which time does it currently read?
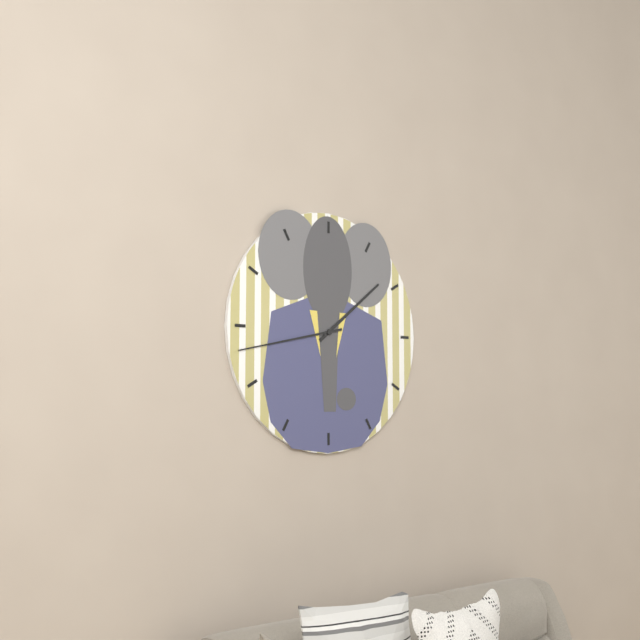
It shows 1h43
